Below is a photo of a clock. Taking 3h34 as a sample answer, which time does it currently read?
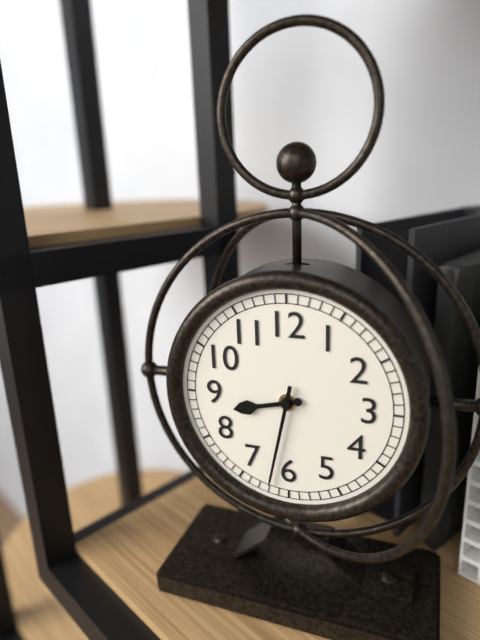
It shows 8h32
